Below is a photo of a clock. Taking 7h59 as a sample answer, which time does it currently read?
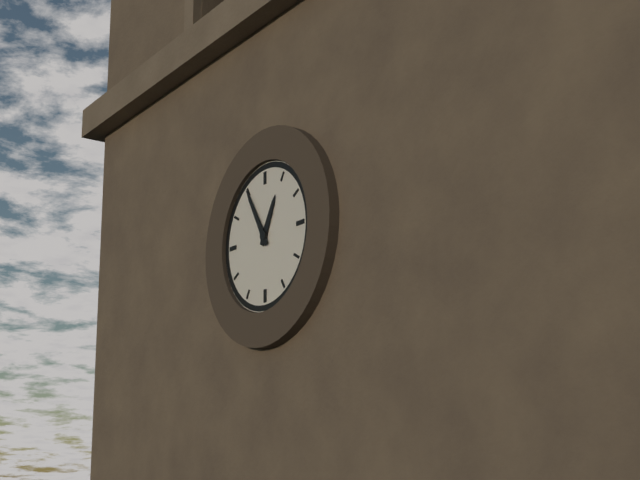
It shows 12h55
